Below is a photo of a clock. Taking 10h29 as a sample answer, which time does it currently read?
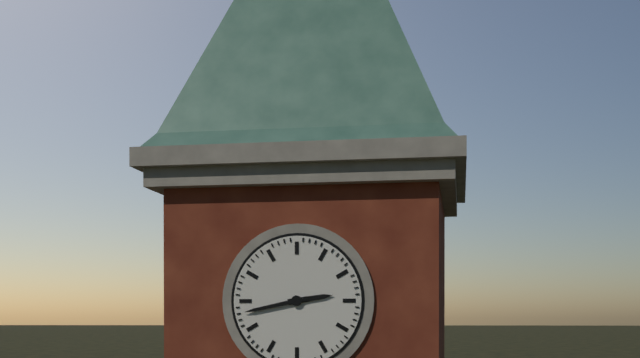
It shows 2h43
